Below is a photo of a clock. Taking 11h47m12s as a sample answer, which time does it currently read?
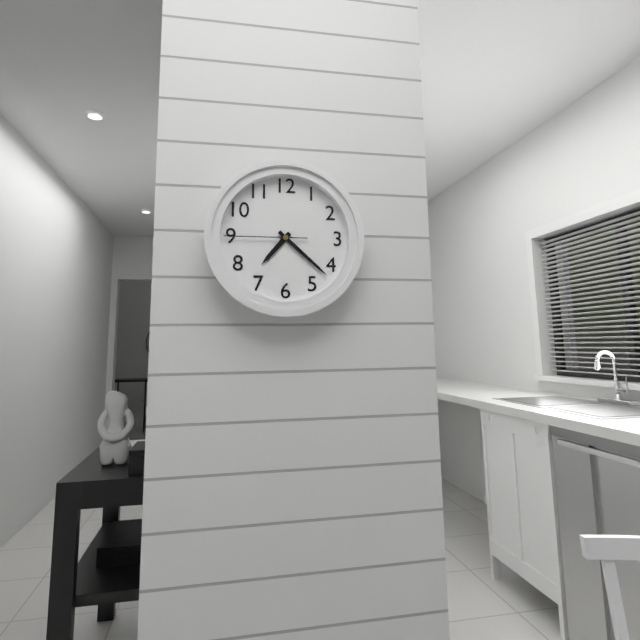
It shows 7h22m45s
